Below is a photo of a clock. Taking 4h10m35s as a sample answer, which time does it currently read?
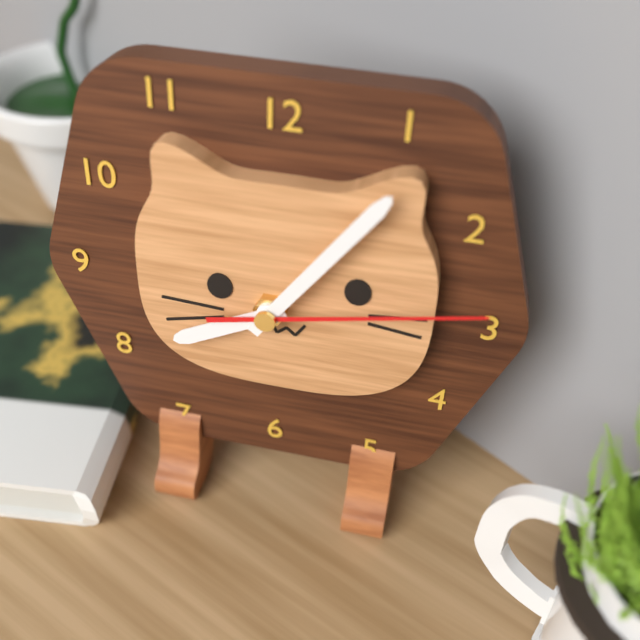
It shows 8h06m13s
